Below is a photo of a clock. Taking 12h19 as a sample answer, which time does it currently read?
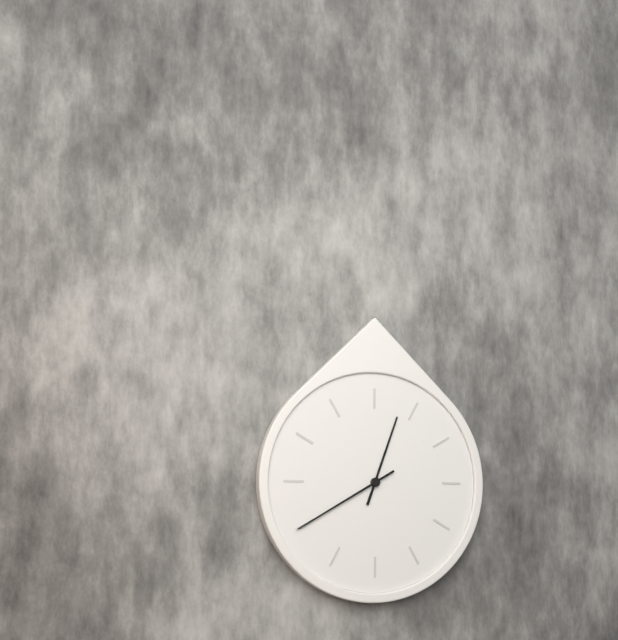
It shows 12h40
